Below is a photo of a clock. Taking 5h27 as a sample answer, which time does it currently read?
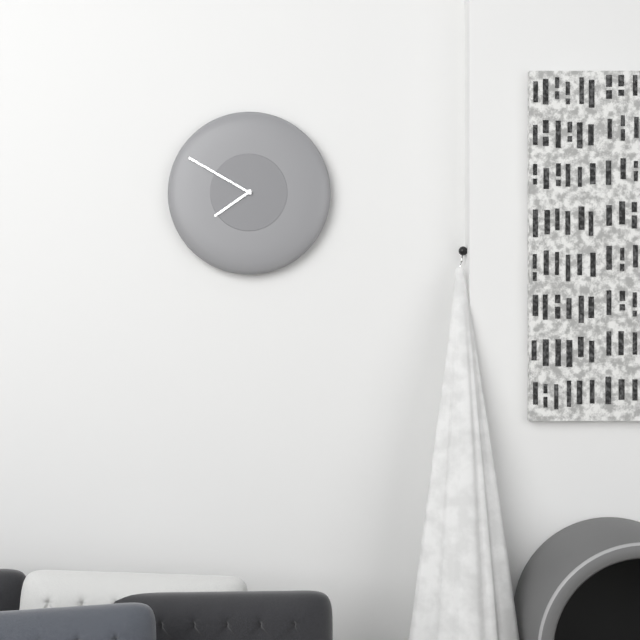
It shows 7h50
